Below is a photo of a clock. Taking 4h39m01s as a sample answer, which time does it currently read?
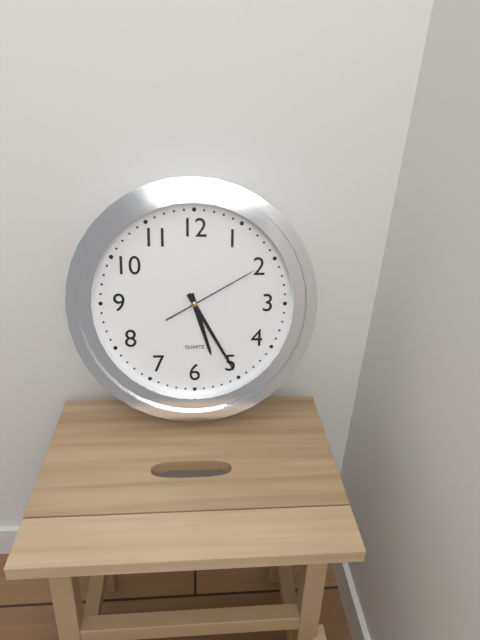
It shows 5h25m10s
